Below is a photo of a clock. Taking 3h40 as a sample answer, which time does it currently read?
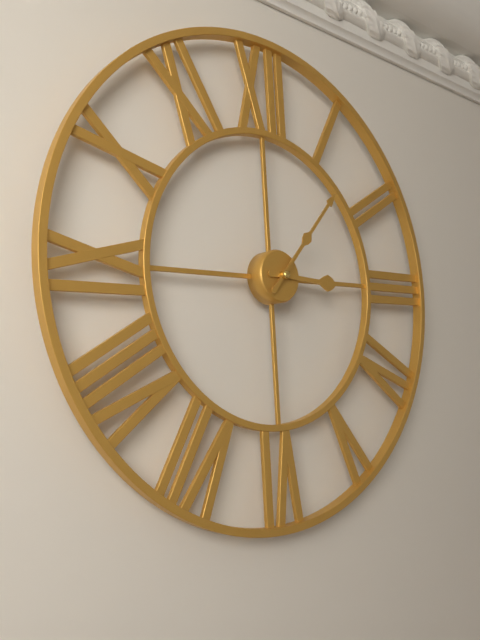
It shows 3h07
